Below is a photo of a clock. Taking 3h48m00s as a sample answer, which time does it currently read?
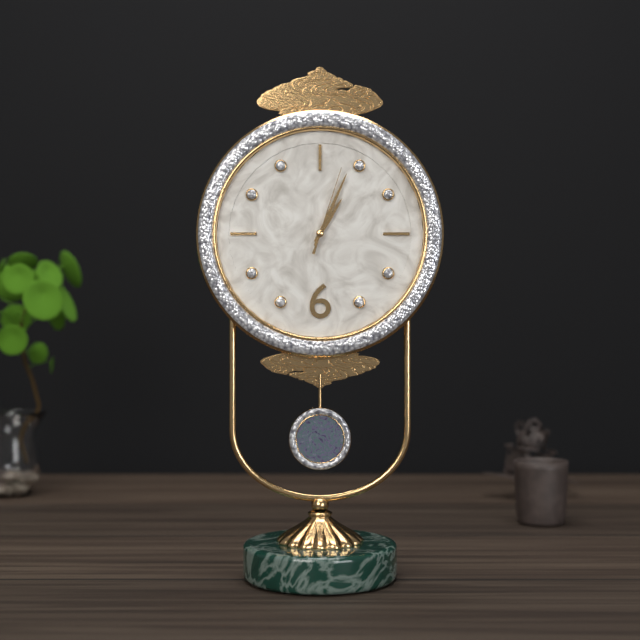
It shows 1h04m03s
